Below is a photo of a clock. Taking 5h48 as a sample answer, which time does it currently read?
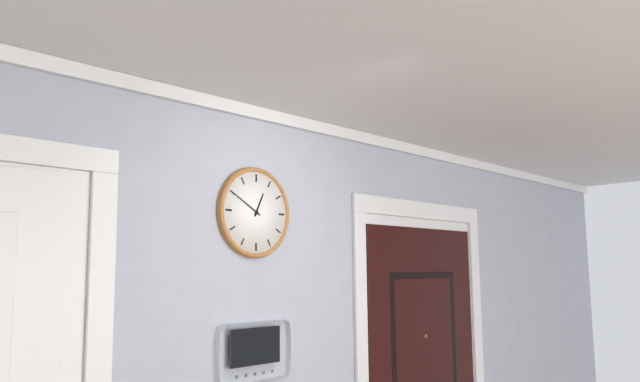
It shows 12h50
